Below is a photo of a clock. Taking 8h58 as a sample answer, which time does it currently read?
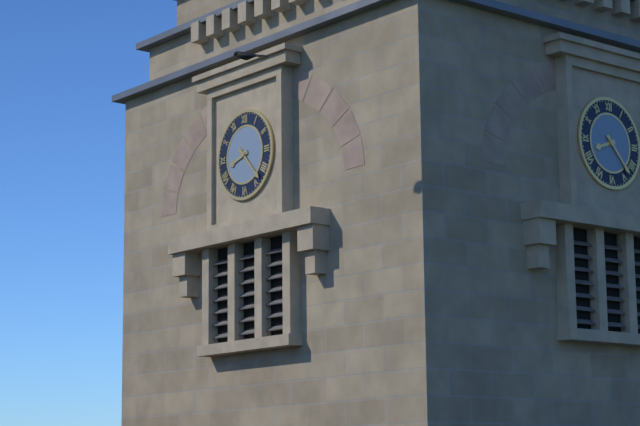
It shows 8h23
